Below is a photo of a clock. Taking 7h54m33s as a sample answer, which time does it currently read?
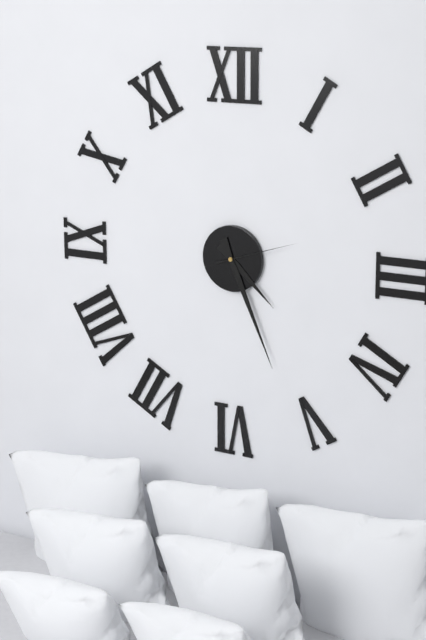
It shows 4h26m12s
